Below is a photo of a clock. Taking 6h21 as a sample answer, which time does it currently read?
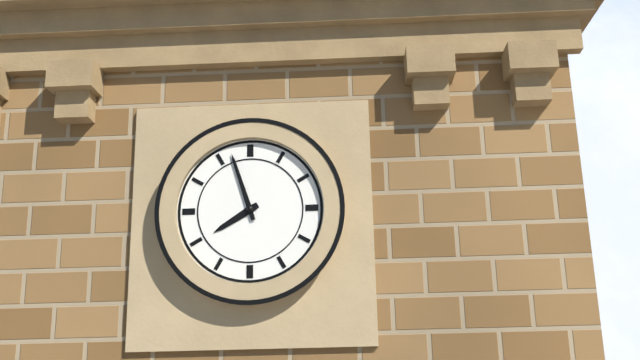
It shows 7h57
